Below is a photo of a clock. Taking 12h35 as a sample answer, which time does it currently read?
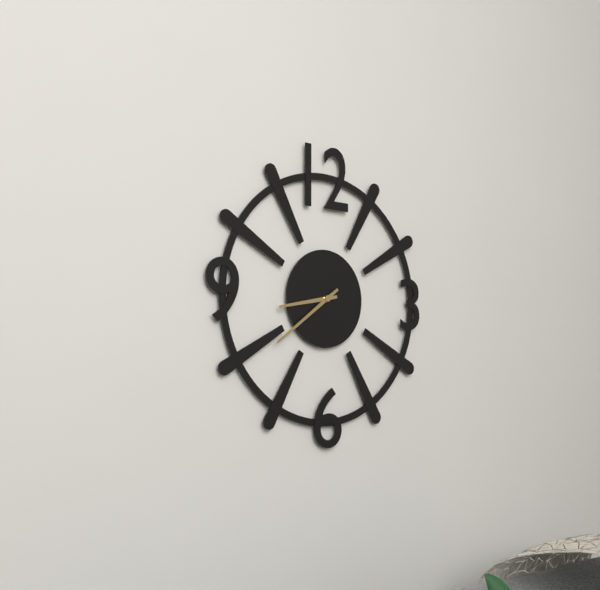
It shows 8h39
